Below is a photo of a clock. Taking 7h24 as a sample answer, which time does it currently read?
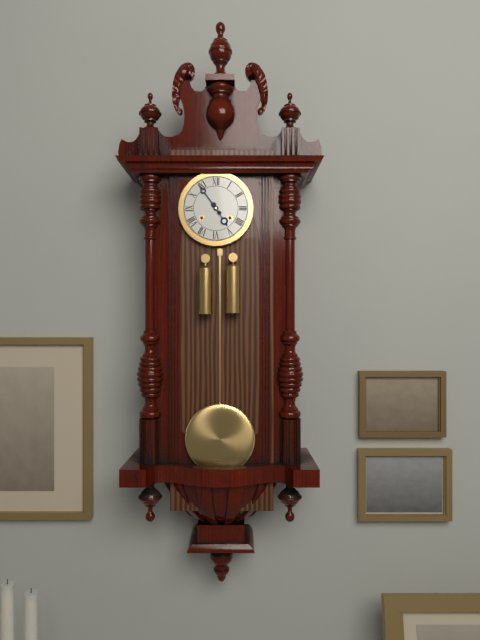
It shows 4h54
